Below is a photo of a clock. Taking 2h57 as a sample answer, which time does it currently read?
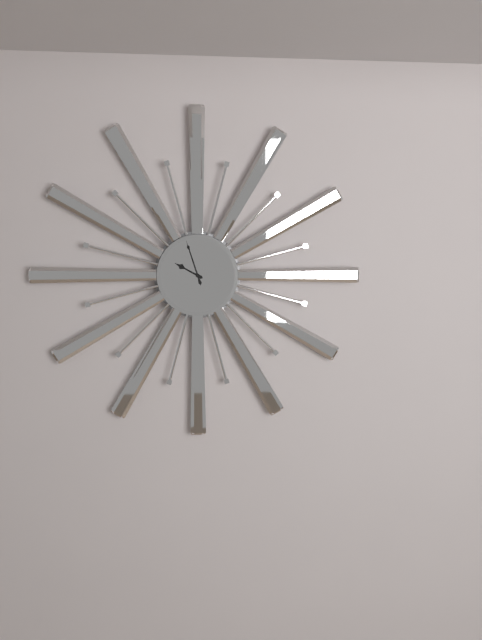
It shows 9h57
